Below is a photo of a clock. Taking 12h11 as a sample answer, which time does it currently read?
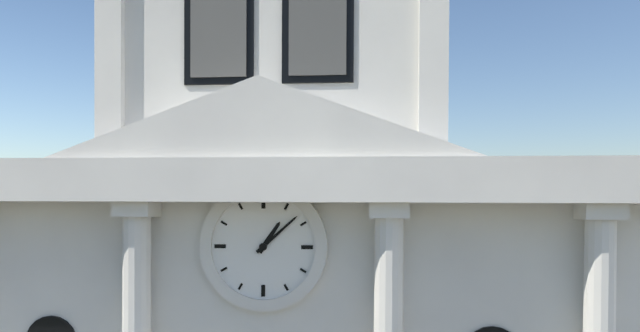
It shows 1h08
